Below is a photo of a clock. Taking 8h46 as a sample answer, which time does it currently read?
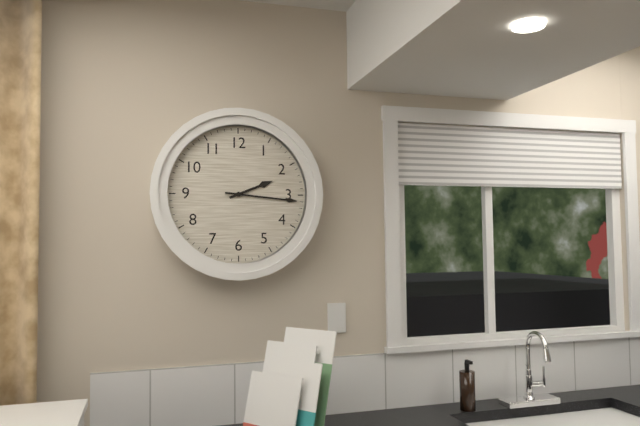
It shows 2h16
